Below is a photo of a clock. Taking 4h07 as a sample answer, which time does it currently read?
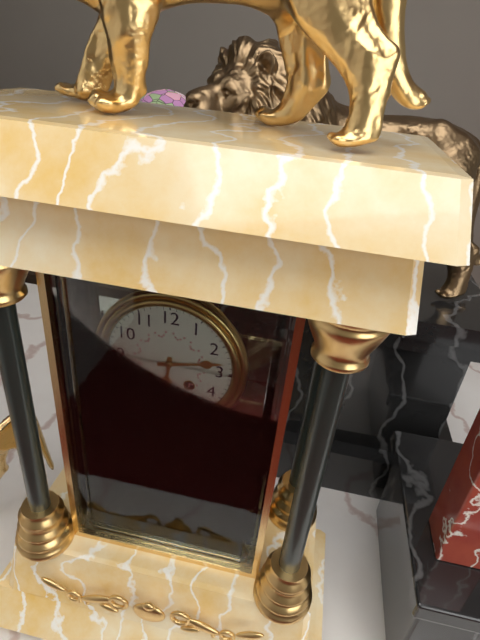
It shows 6h13
